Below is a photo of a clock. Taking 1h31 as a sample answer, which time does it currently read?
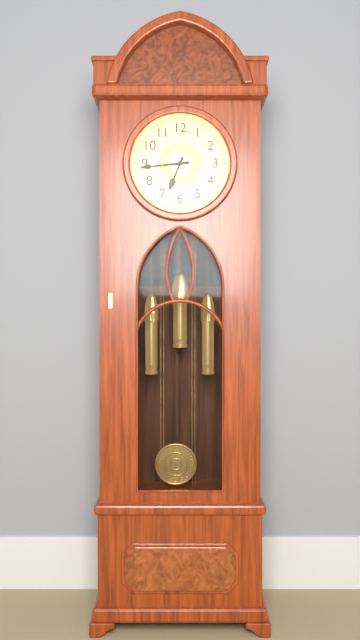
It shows 6h44
